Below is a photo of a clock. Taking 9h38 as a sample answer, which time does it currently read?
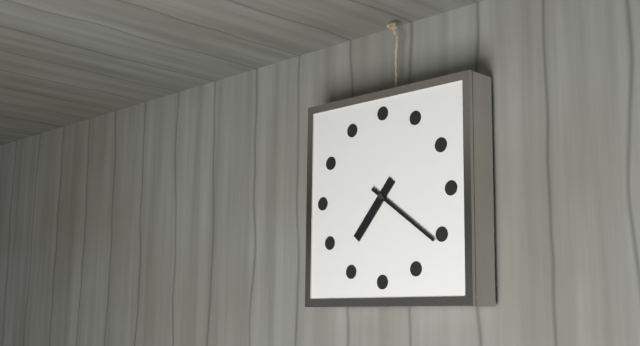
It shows 7h21
